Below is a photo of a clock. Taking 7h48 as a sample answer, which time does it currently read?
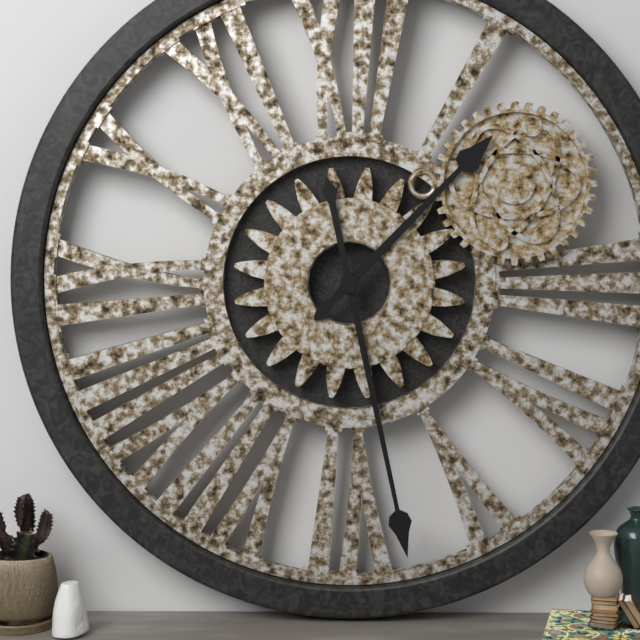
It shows 1h28
